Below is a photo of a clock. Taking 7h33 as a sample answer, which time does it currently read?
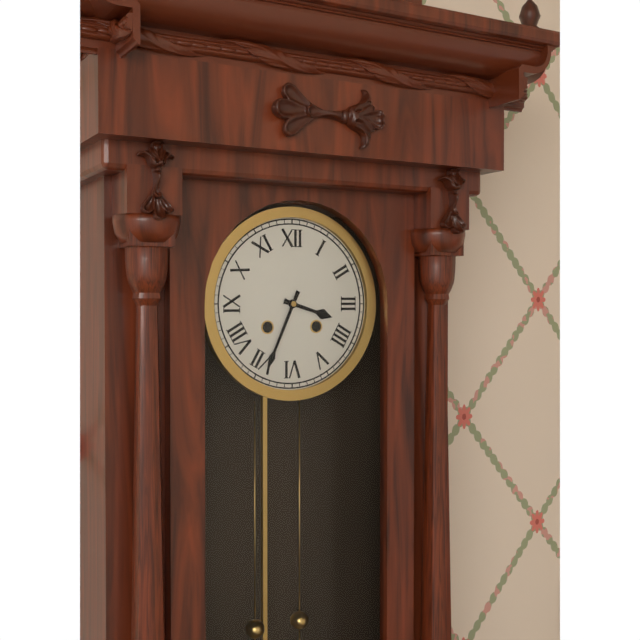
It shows 3h34
